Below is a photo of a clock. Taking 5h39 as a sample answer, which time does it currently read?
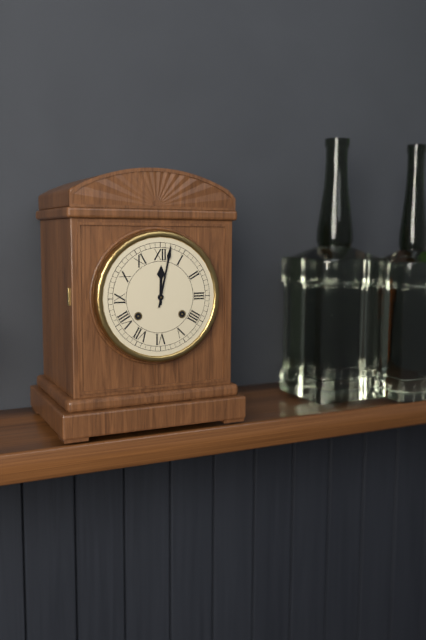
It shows 12h02
